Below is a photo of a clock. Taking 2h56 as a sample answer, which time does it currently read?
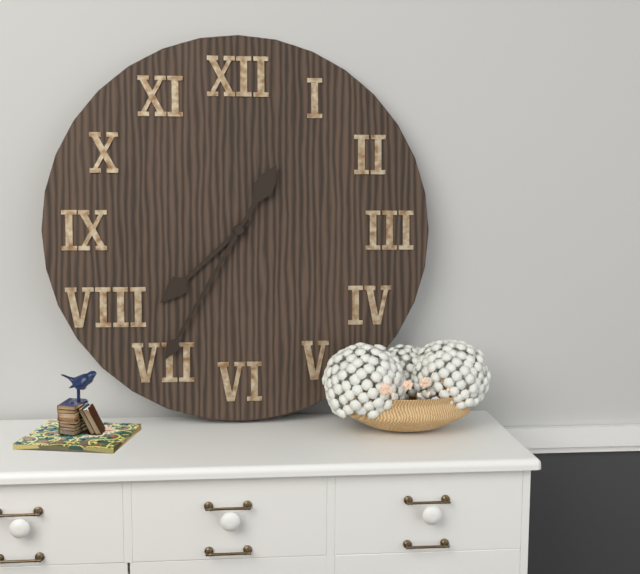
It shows 7h35
